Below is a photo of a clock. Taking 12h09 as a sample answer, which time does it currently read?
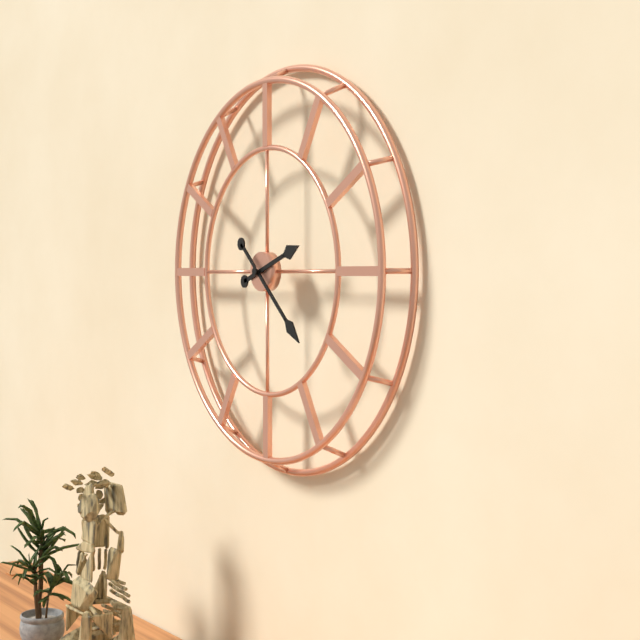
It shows 2h22
